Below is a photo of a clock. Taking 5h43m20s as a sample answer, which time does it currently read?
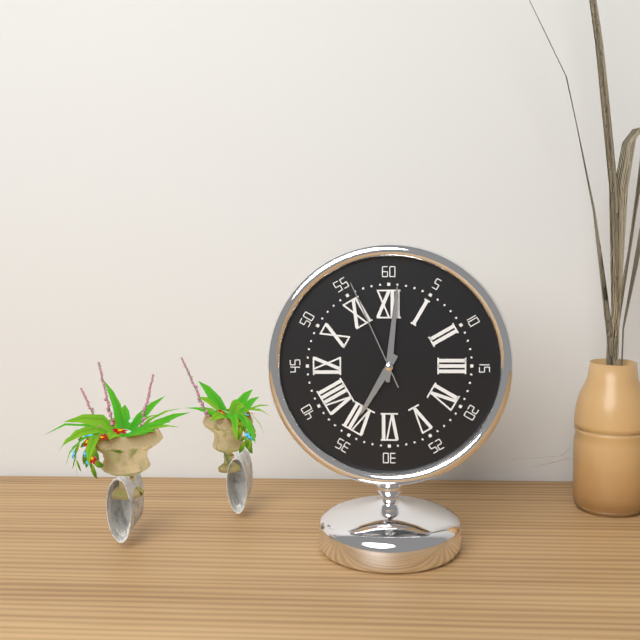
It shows 7h01m56s
